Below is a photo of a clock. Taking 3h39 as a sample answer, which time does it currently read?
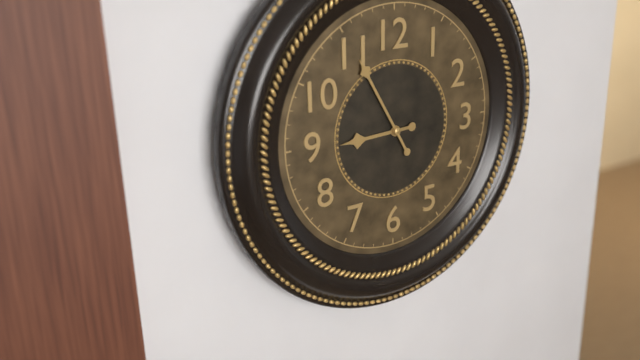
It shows 8h55
